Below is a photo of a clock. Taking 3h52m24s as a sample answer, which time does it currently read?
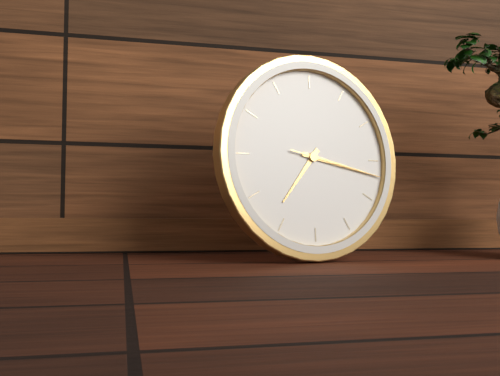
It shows 7h17m17s
